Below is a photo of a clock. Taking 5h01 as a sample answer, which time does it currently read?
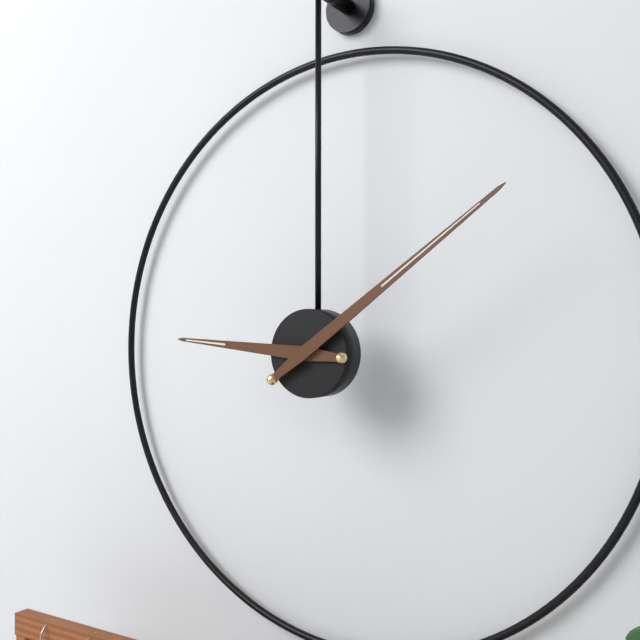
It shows 9h09
